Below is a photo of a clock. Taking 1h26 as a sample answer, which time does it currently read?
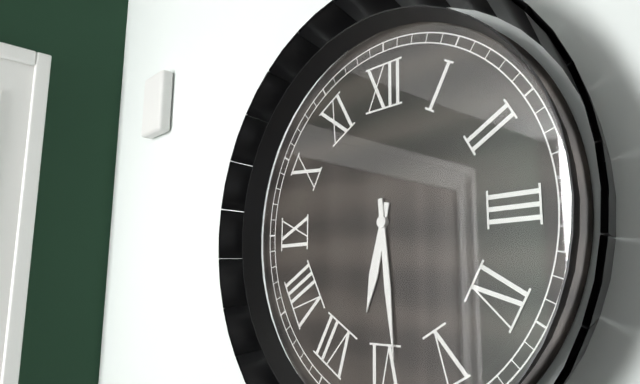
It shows 6h29
